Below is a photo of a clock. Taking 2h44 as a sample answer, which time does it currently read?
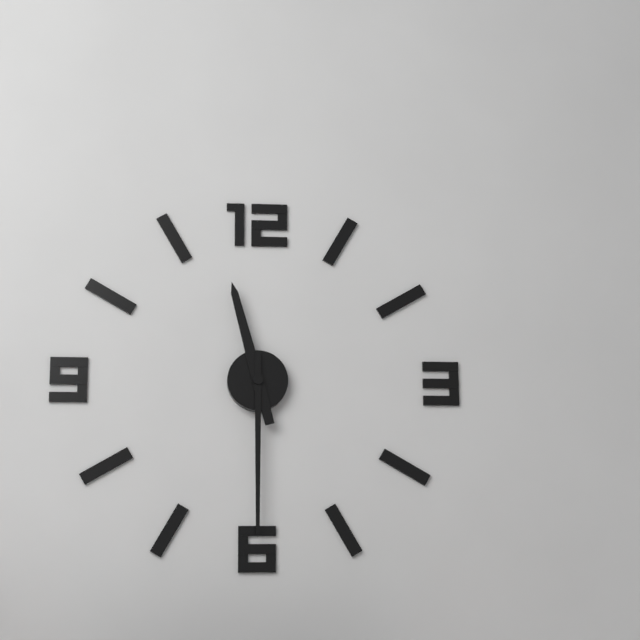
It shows 11h30
